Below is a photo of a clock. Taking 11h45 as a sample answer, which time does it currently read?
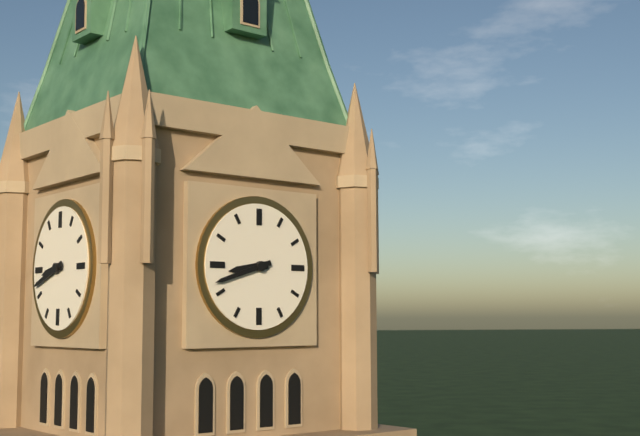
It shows 8h42
